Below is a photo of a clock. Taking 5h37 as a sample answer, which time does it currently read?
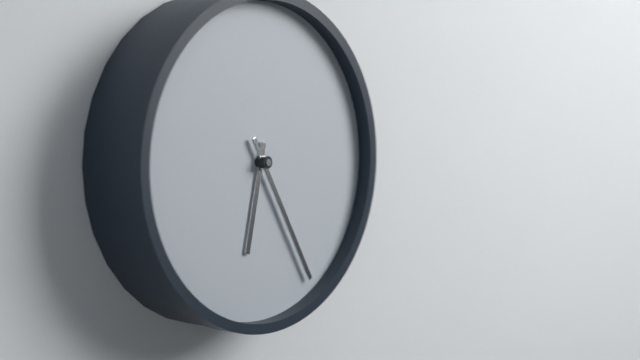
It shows 6h25
